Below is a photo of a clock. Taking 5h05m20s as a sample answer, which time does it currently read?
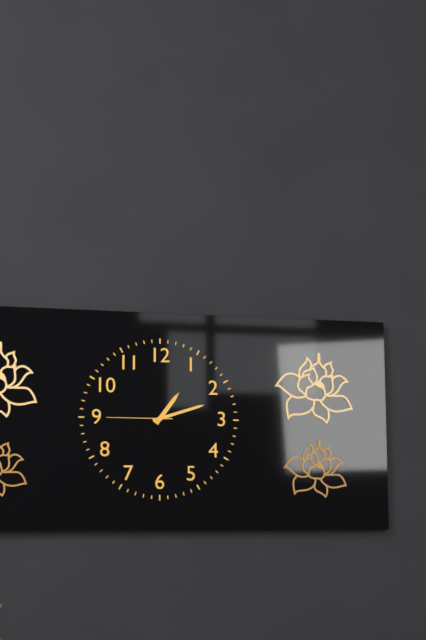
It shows 1h12m45s
